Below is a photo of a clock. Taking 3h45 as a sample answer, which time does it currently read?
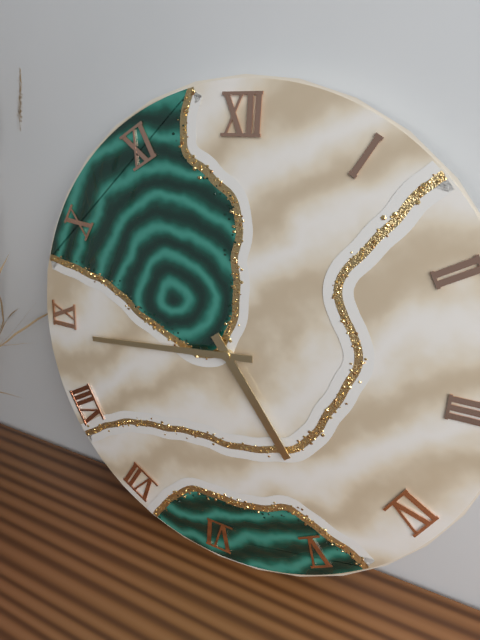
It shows 4h44
